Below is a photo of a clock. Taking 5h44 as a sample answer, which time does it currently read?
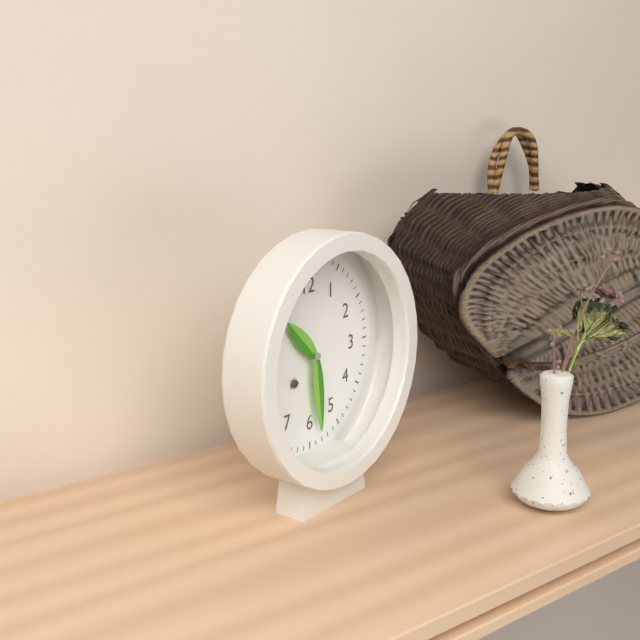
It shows 10h29
